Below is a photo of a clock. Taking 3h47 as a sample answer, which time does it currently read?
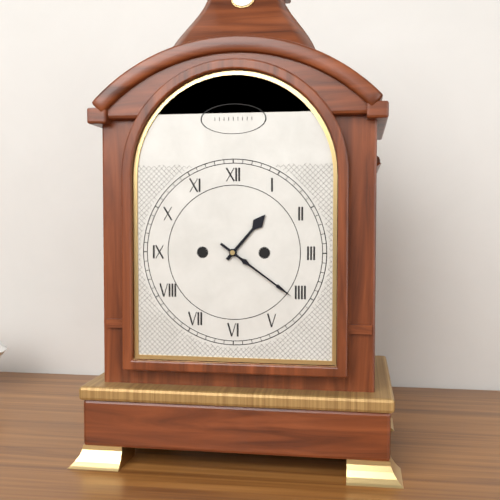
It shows 1h21
